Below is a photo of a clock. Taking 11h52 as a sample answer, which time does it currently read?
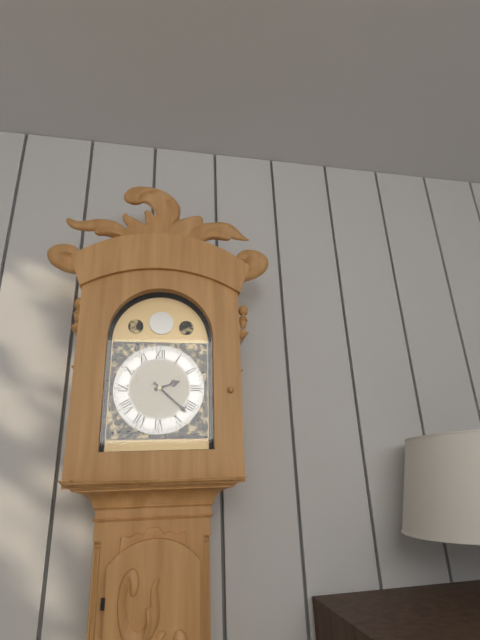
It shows 2h22
